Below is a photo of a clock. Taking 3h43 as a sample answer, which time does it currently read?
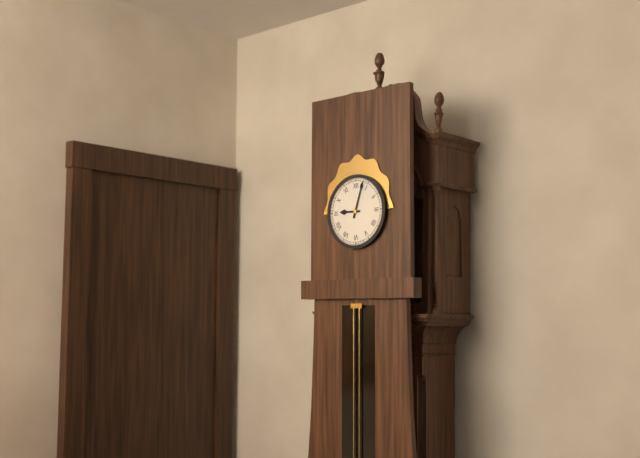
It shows 9h03
